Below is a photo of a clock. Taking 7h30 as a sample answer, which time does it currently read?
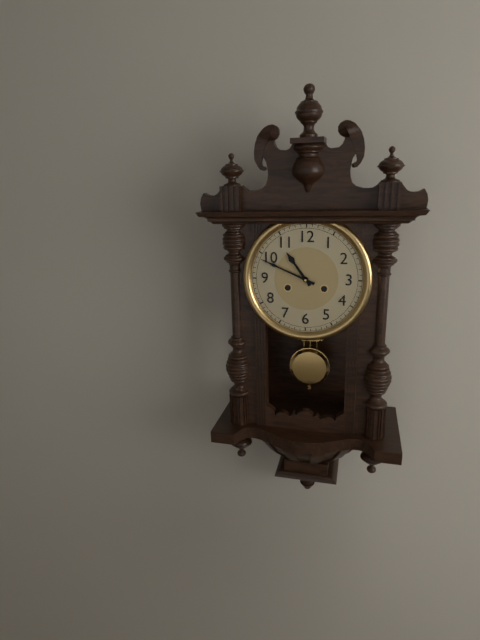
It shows 10h49
